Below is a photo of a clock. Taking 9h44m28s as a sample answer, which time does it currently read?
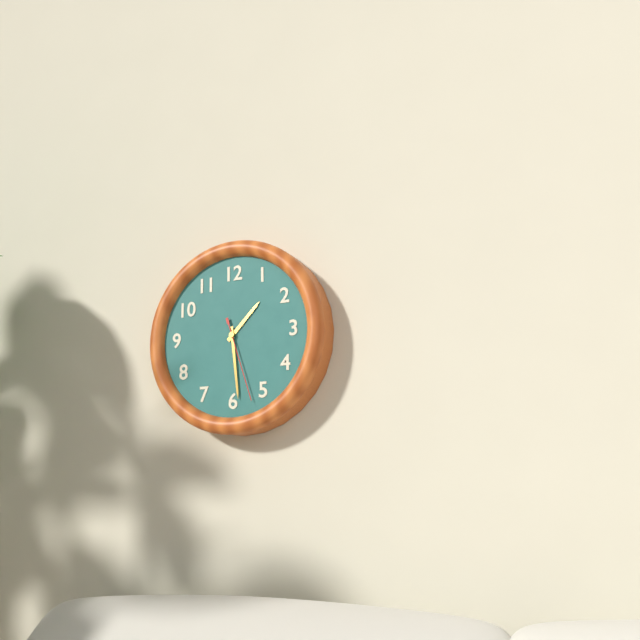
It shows 1h29m27s
